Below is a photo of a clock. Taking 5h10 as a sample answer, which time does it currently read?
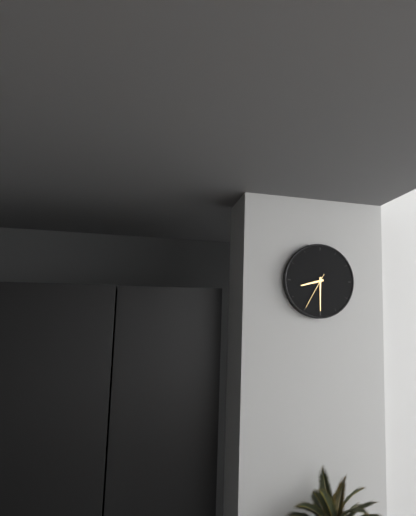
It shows 8h30
